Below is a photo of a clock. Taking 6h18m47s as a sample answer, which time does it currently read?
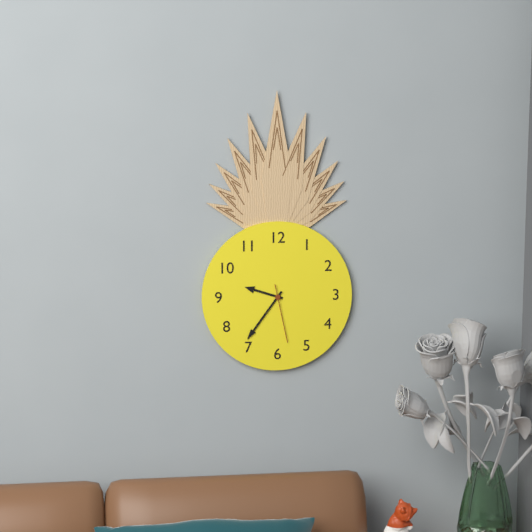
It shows 9h36m28s
